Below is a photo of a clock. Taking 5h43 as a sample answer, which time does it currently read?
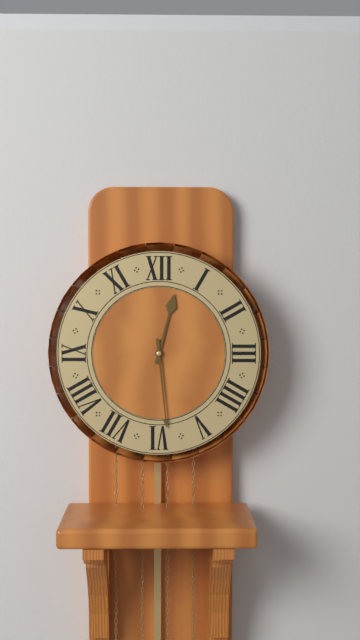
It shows 12h29
